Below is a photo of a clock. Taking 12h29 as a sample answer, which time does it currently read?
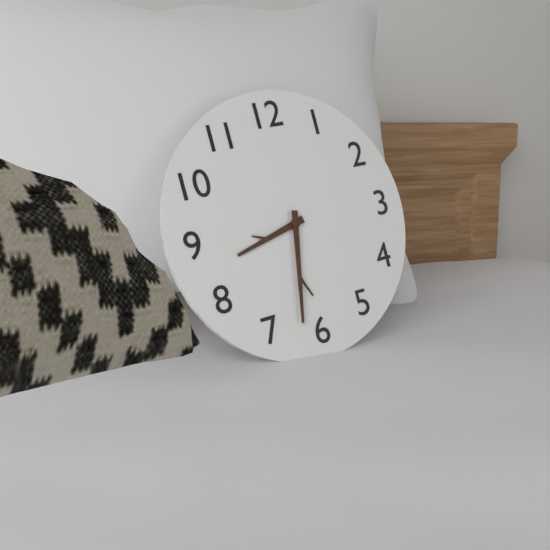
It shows 8h32
